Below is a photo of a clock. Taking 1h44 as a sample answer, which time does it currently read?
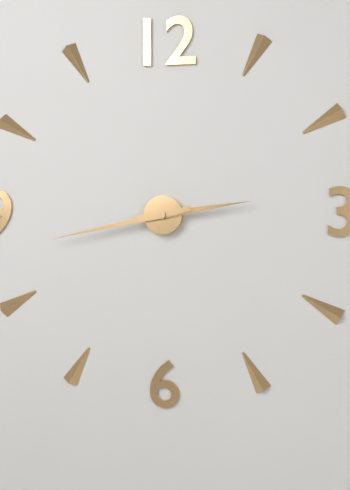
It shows 2h43
